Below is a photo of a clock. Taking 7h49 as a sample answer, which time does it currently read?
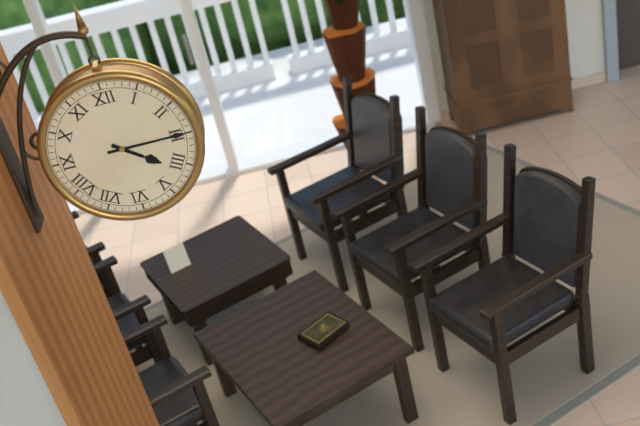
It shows 4h15
